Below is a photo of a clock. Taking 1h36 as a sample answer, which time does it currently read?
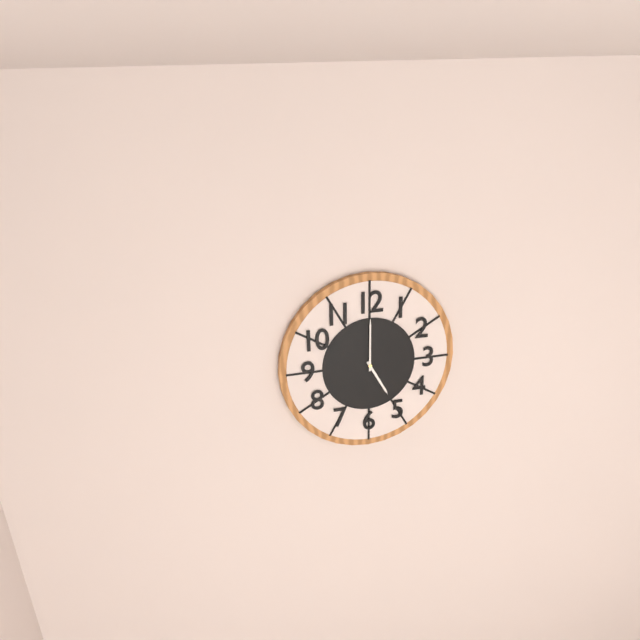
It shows 5h00
